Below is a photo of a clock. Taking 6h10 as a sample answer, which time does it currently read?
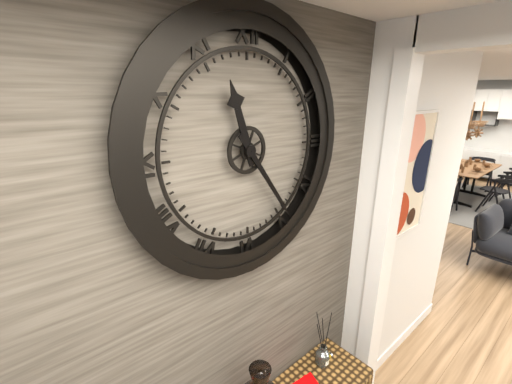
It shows 11h24
